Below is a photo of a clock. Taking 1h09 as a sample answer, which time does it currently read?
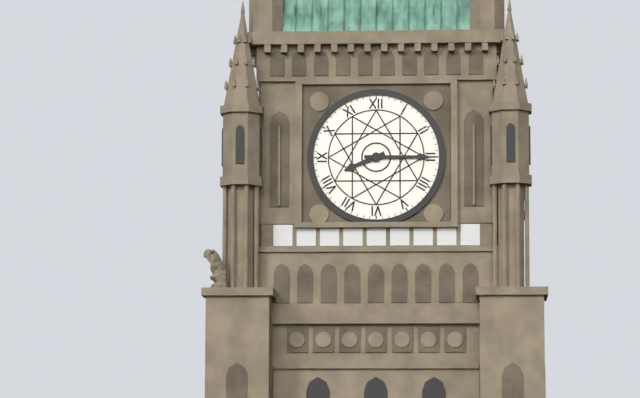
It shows 8h15
